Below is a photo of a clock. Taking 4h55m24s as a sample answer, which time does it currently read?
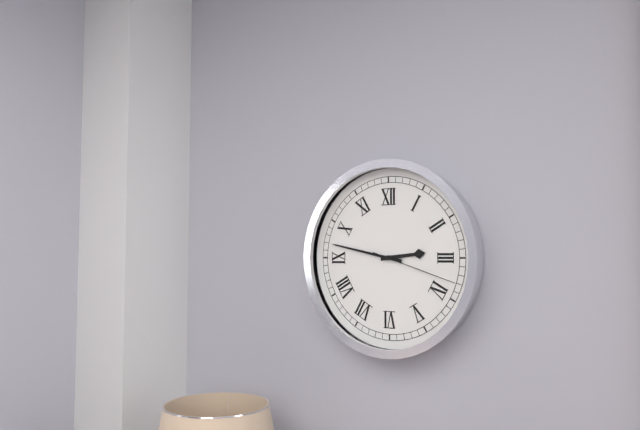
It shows 2h47m18s
